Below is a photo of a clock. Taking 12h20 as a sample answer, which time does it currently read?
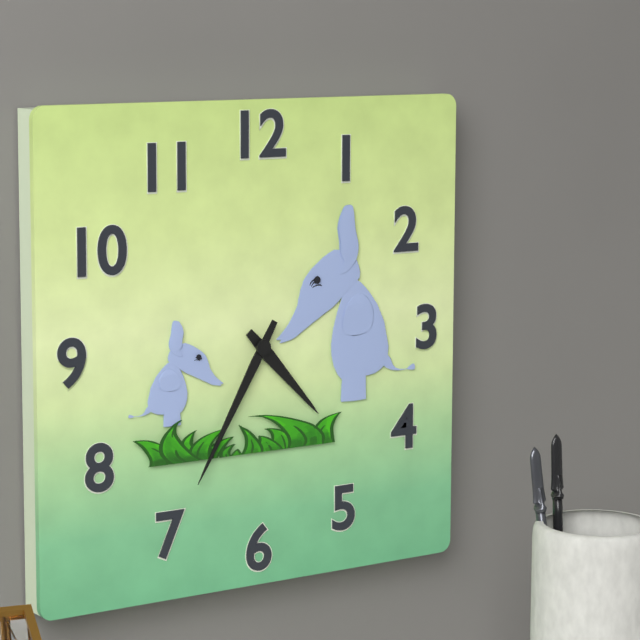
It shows 4h35
